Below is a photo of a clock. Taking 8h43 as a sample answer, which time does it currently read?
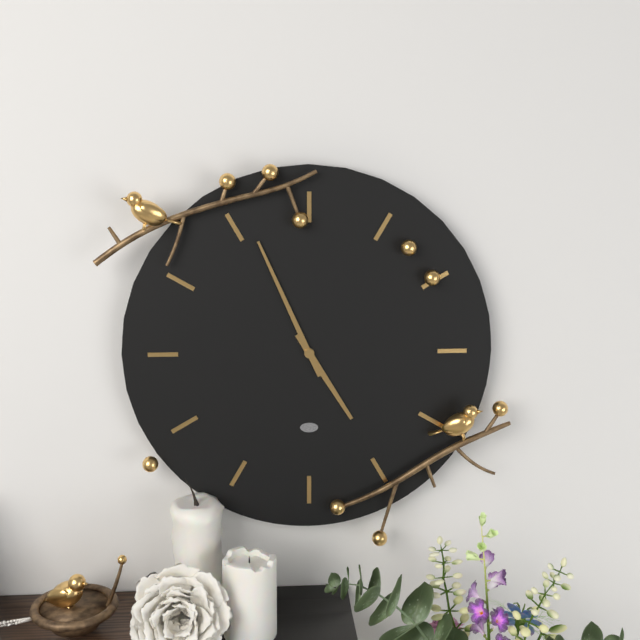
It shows 4h56
